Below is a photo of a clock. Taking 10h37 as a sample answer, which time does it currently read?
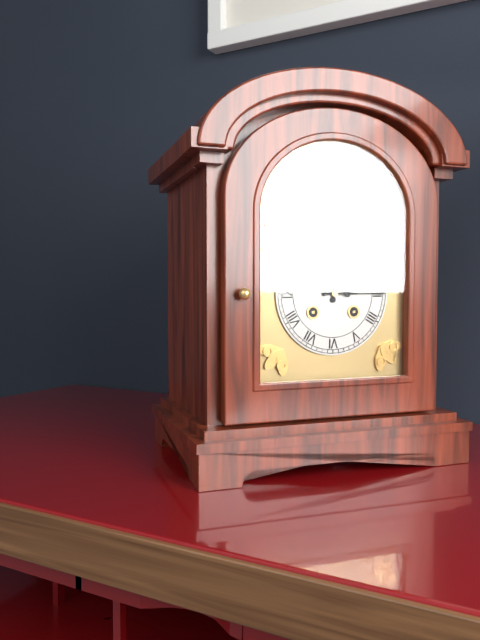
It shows 12h15
